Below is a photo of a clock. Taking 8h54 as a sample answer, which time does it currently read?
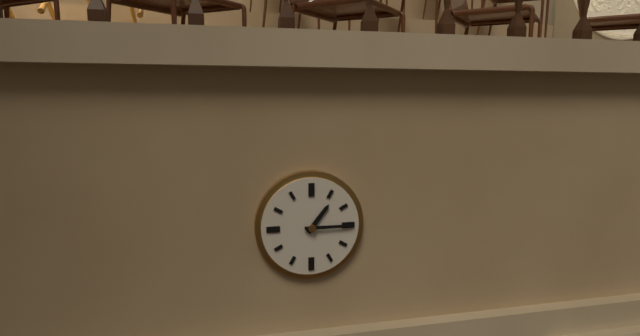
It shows 1h15
